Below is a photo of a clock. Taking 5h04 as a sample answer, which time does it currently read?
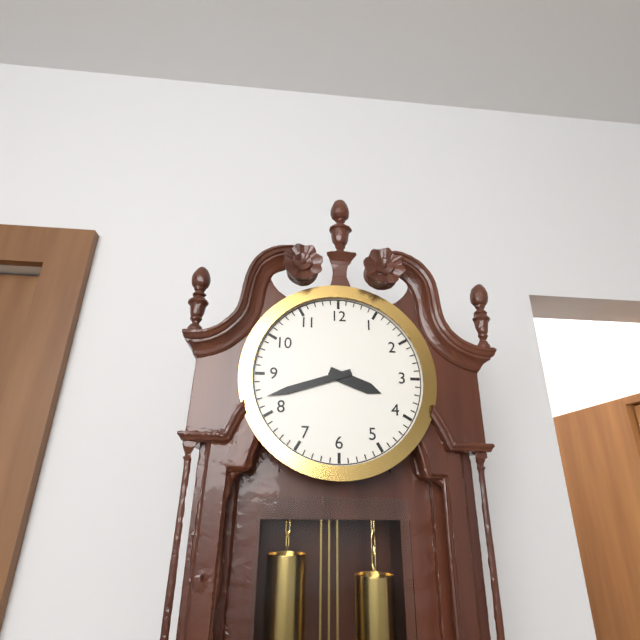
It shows 3h42
